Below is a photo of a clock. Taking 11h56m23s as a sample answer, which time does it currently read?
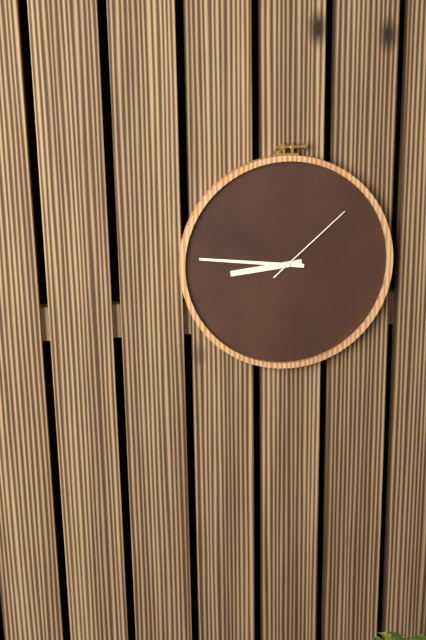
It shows 8h46m08s
